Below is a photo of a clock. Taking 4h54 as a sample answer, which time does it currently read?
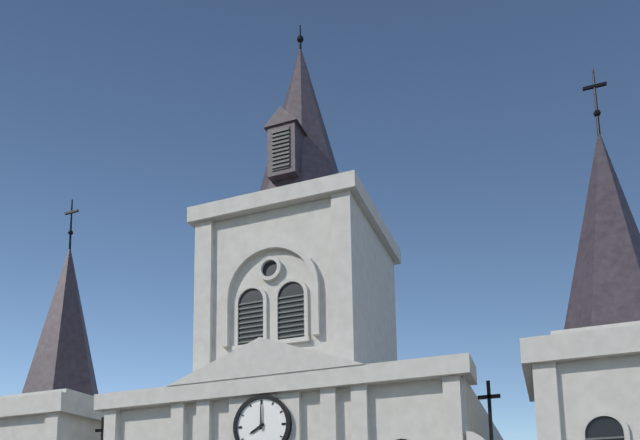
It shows 8h00
